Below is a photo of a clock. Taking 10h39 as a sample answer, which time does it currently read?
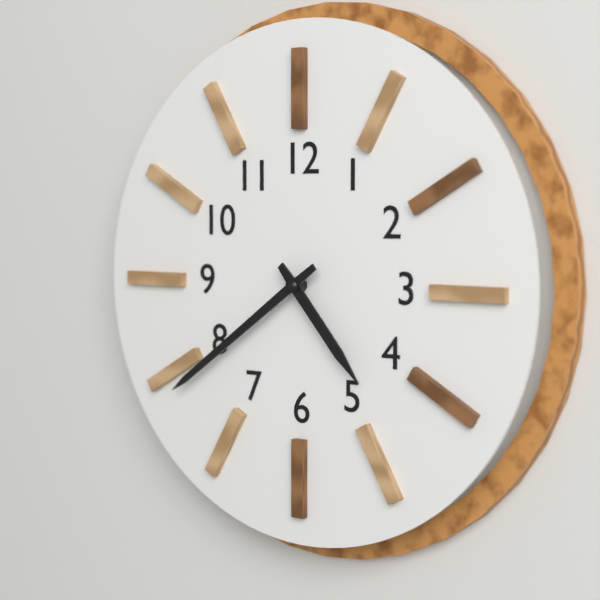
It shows 4h39
